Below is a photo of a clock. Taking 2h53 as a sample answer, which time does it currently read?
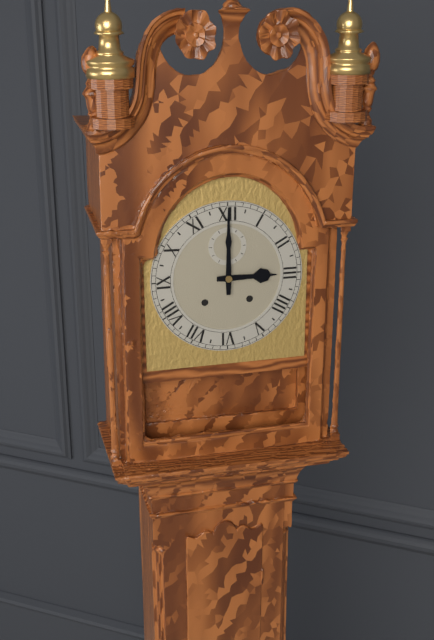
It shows 3h00
